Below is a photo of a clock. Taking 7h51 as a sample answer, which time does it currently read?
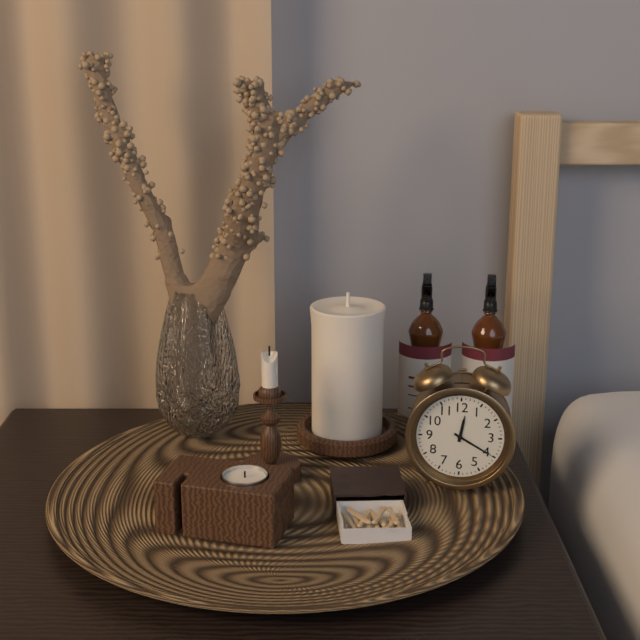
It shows 12h20
